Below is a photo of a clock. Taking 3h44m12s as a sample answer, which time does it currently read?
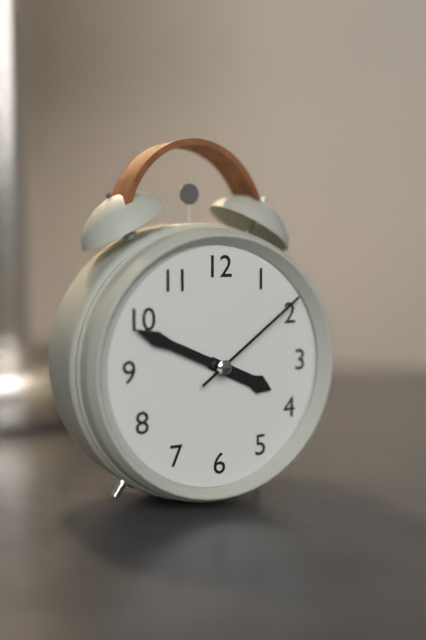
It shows 3h49m09s
